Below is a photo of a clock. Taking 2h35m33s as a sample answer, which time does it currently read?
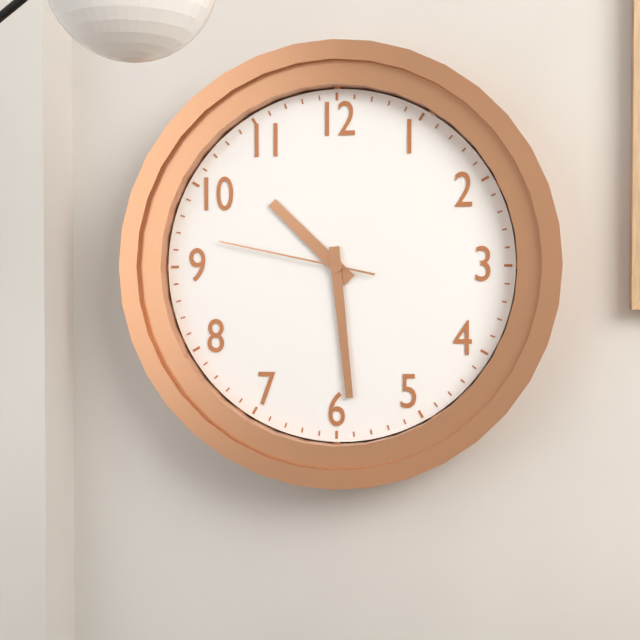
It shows 10h29m47s
